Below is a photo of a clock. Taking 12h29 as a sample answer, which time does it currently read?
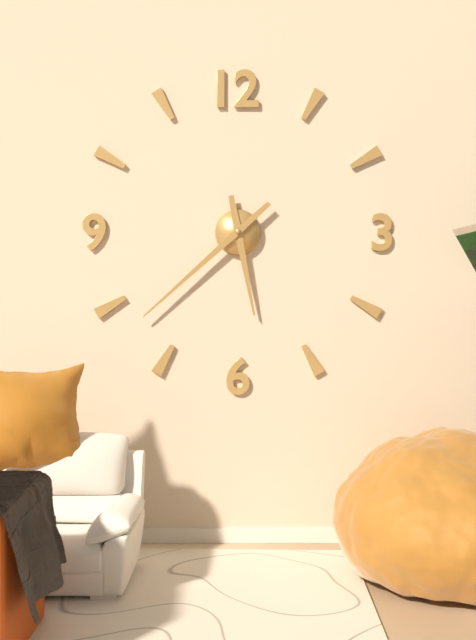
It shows 5h38
